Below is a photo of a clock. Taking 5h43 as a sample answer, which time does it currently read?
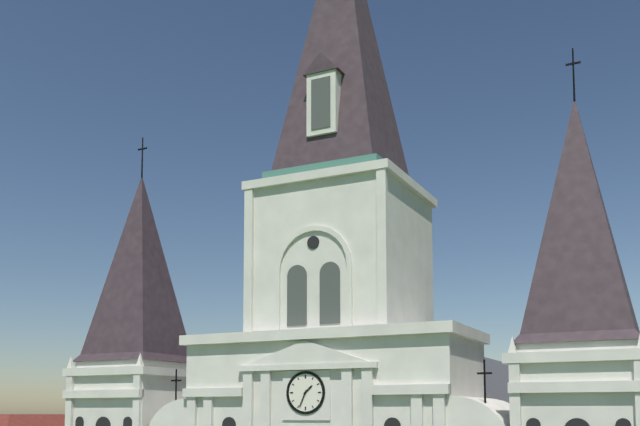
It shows 1h34
